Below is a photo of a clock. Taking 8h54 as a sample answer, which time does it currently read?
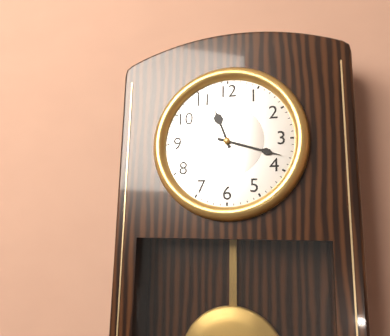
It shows 11h18
